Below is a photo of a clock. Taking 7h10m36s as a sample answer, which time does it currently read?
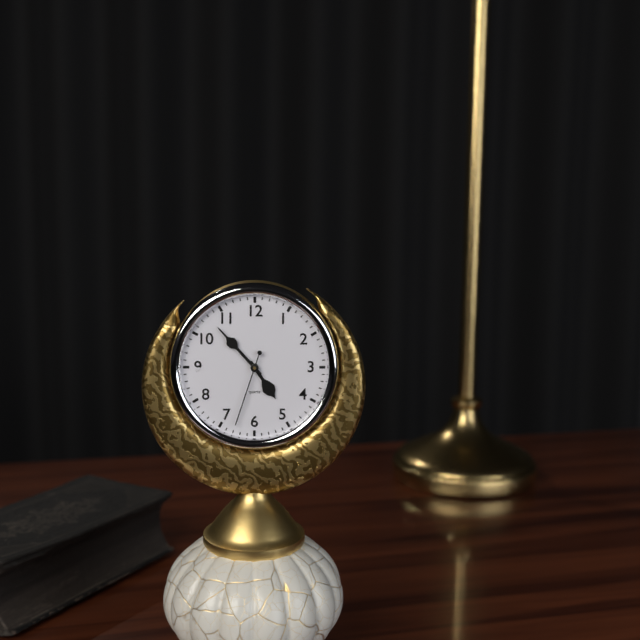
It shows 4h53m33s
